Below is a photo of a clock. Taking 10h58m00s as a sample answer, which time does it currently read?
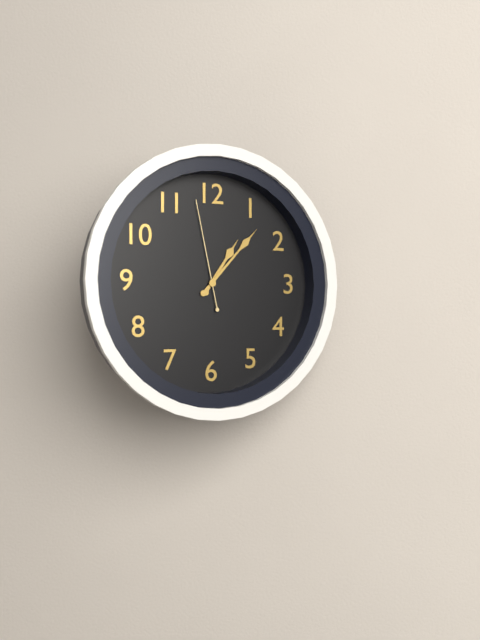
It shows 1h07m58s
